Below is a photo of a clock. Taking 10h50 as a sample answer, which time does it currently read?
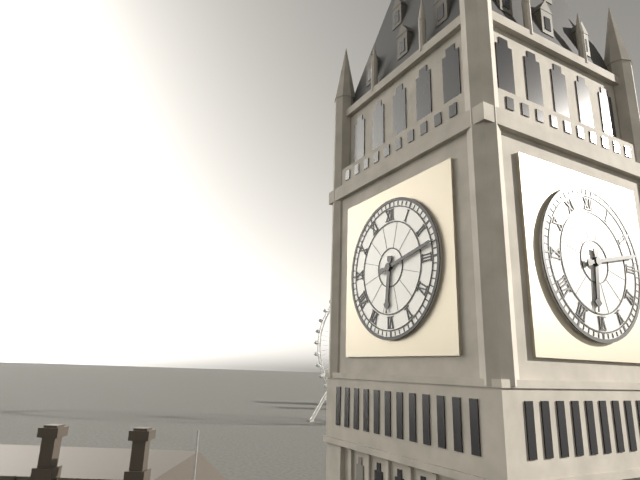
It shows 6h13
